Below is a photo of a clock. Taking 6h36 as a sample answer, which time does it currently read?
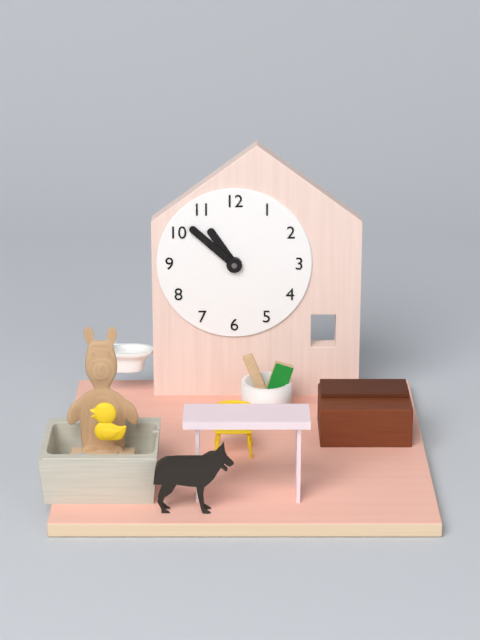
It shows 10h52
